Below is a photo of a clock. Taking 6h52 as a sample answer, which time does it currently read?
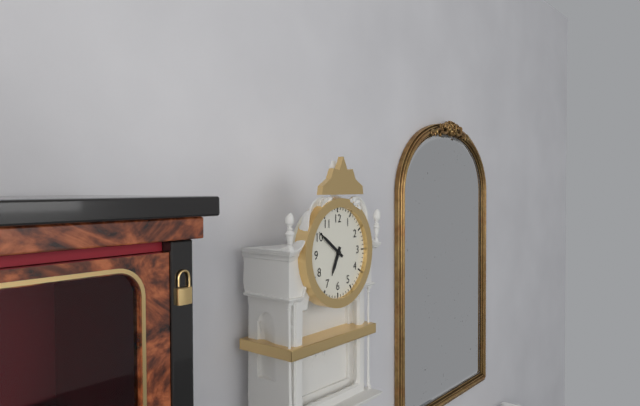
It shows 6h51
